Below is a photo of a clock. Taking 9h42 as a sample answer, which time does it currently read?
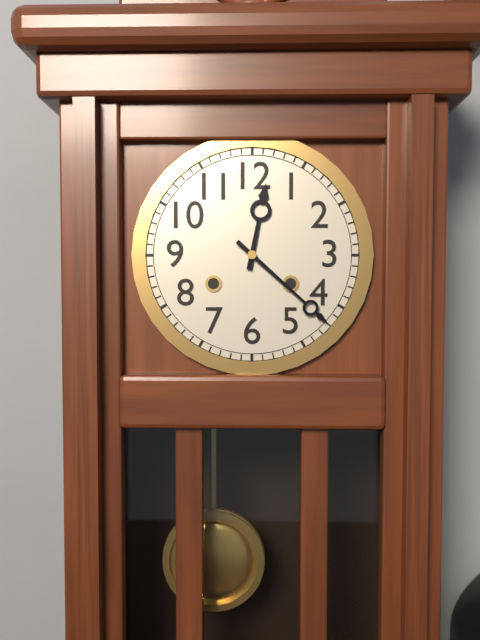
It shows 12h22
